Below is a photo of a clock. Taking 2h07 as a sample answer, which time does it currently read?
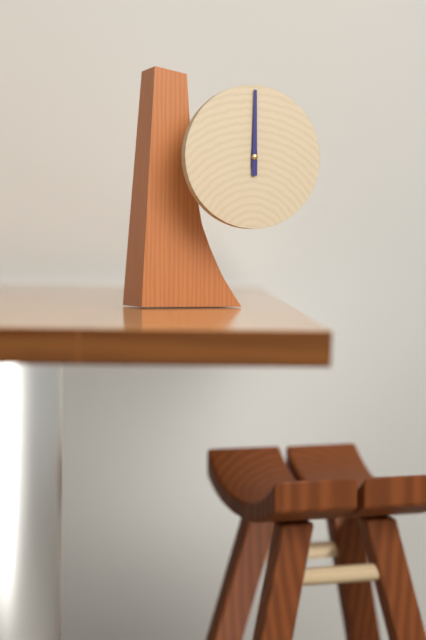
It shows 12h00
